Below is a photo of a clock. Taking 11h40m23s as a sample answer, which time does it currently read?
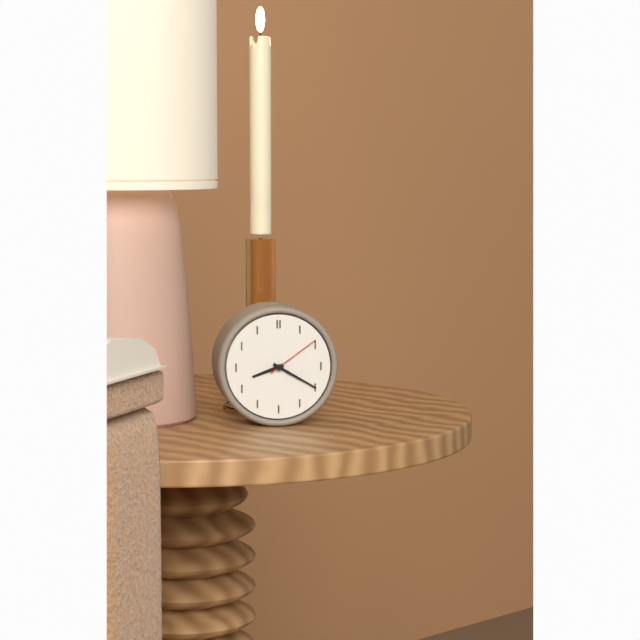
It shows 8h20m09s
